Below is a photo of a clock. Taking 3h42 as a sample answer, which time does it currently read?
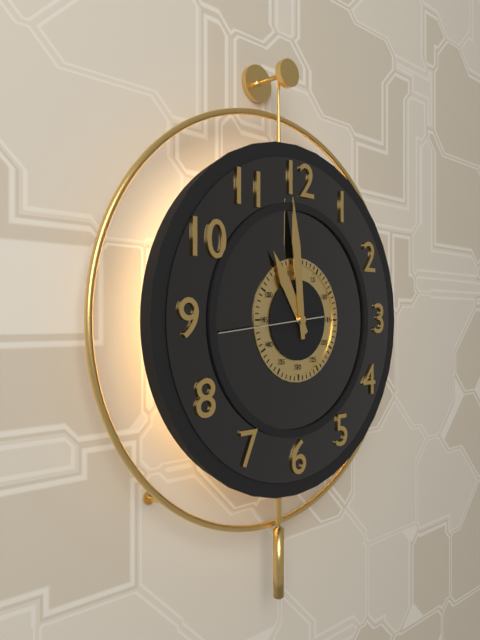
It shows 10h59
